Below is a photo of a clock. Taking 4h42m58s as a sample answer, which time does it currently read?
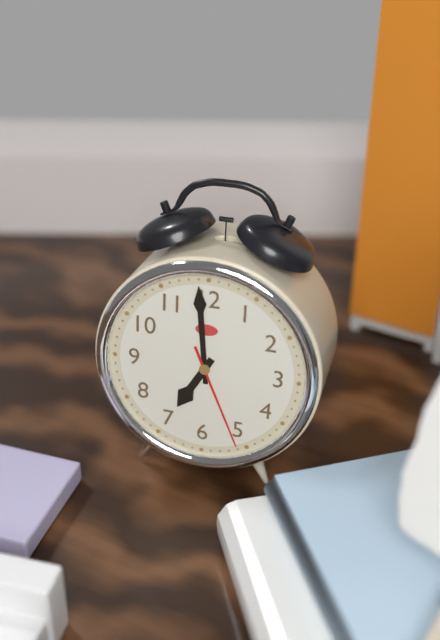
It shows 6h59m26s
